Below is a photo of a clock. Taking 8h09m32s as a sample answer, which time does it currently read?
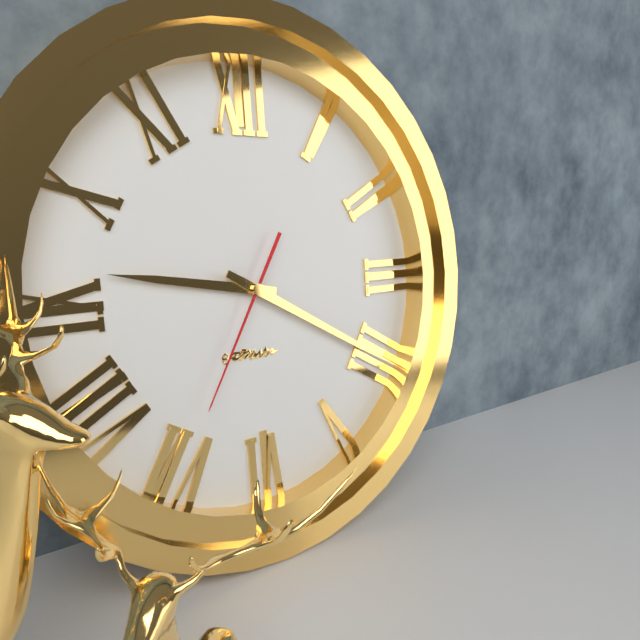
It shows 9h20m35s
